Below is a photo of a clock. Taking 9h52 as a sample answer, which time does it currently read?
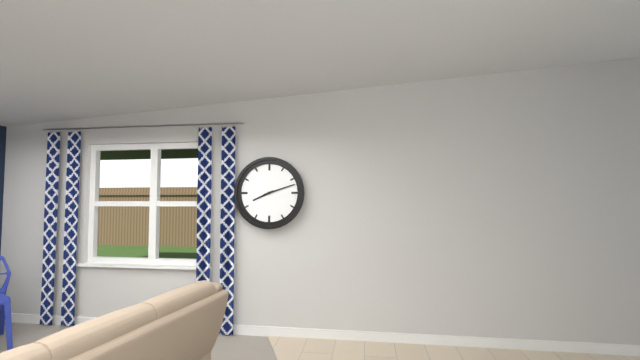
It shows 8h12
